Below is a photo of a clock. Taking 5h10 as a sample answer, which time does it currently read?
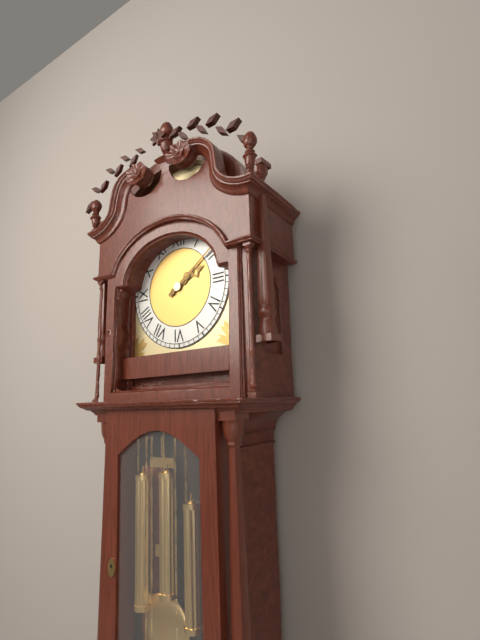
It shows 2h09
